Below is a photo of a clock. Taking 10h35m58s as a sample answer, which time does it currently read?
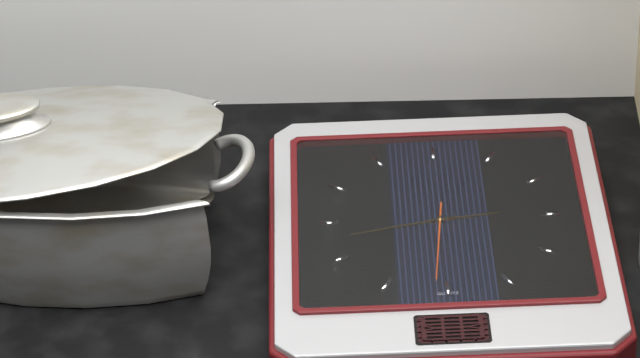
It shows 2h43m31s
